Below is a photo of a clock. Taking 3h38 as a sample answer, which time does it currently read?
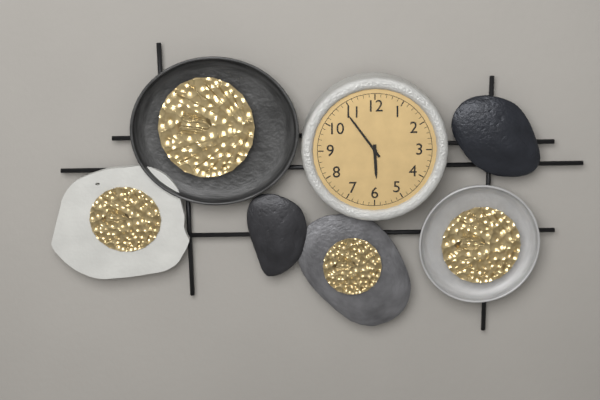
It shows 5h54
